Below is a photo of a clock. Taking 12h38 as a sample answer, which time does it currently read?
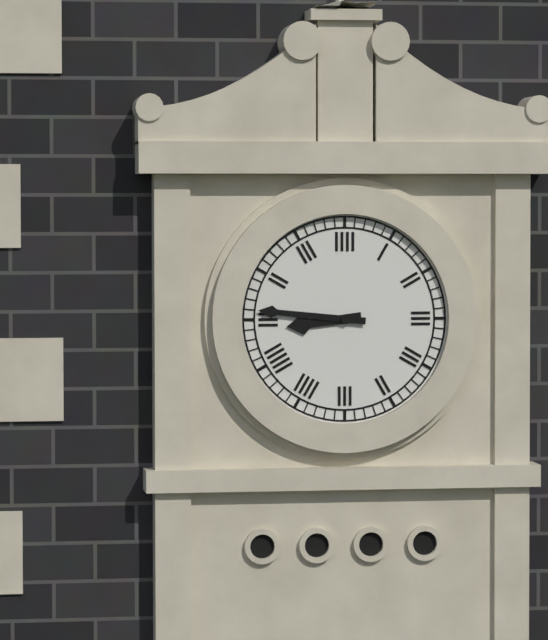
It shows 8h46
